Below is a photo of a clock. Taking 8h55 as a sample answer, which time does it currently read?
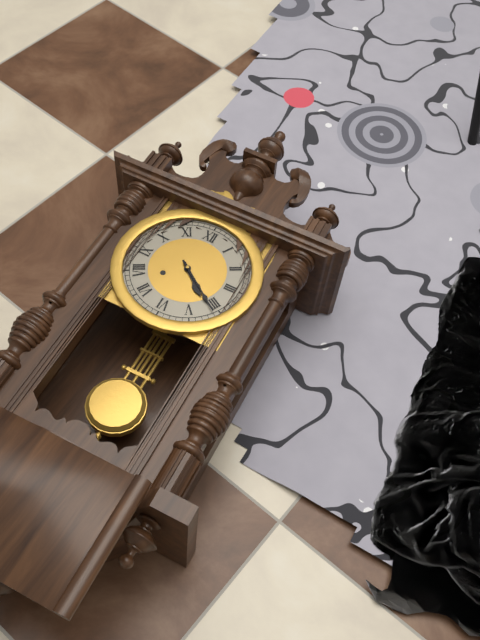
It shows 4h21
